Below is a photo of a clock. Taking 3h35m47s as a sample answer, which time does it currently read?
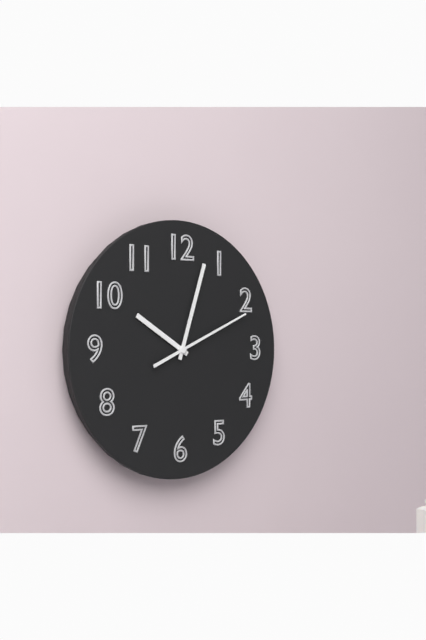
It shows 10h03m11s
